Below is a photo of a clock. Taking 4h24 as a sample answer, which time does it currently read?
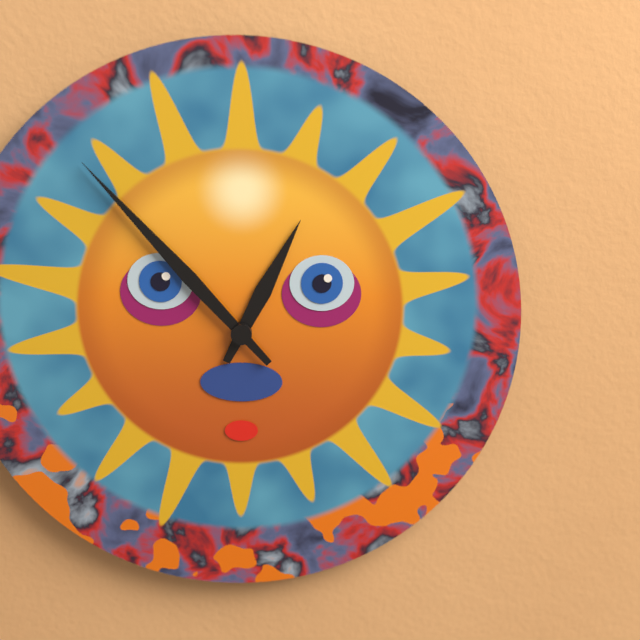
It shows 12h53
